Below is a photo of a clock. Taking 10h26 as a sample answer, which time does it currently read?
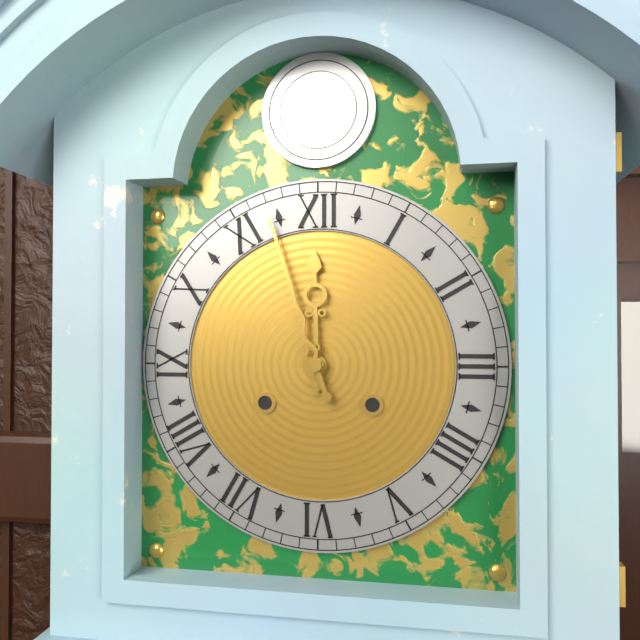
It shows 11h57
